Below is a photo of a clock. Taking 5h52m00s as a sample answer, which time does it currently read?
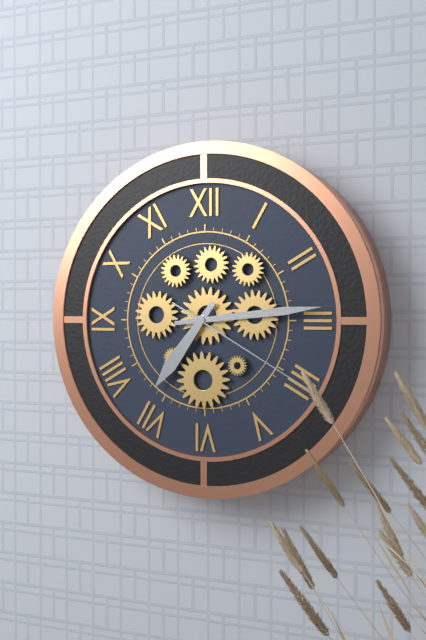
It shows 7h14m20s
